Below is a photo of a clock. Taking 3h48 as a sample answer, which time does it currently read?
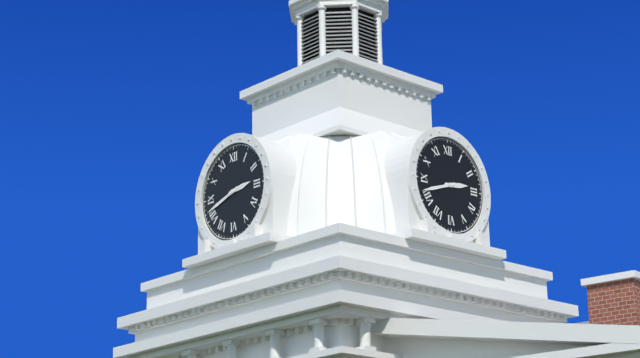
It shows 2h42
